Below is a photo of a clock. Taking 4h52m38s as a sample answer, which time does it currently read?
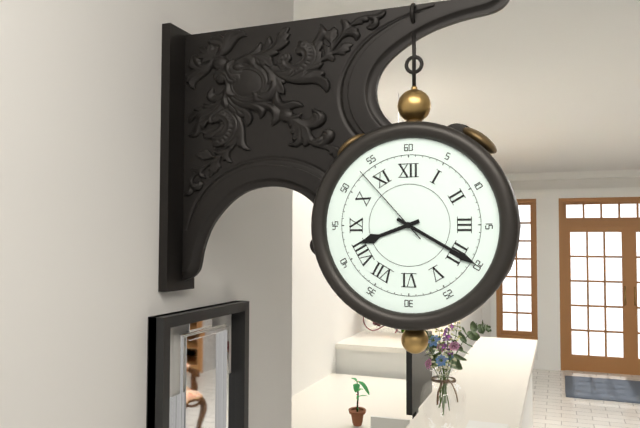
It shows 8h20m53s
